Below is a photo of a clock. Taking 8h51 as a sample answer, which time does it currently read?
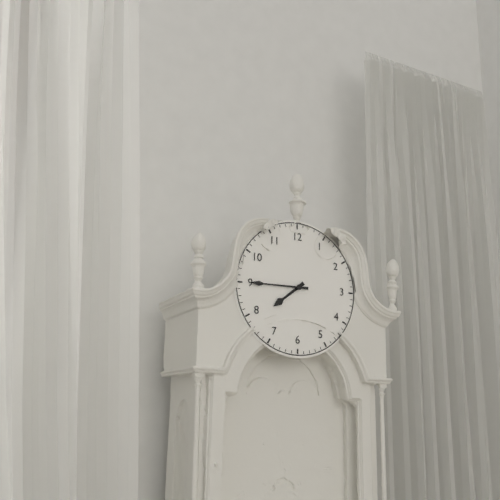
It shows 7h45
